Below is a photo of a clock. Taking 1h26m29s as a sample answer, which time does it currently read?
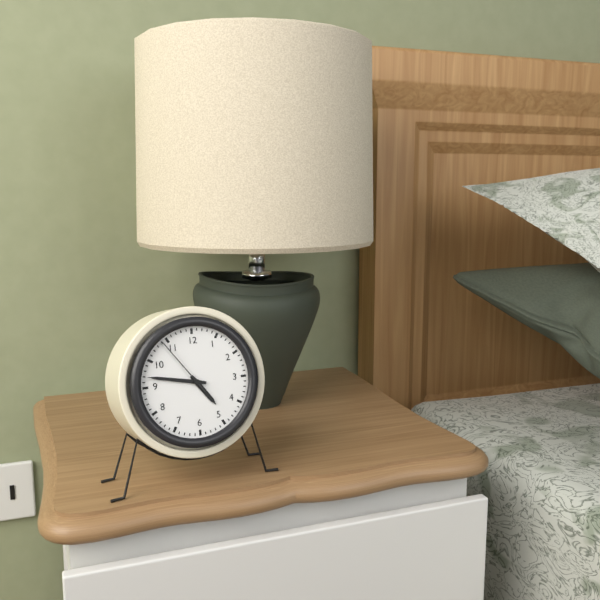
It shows 4h47m54s
